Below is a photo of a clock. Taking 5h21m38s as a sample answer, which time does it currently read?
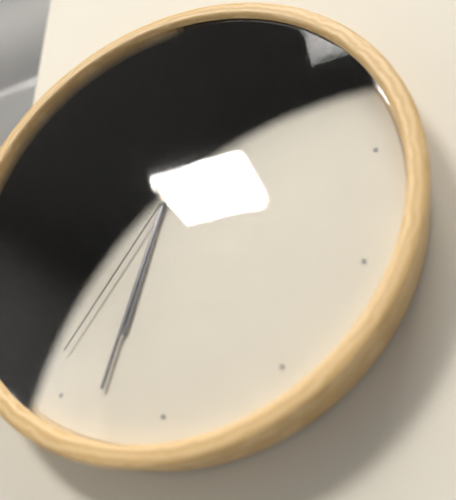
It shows 6h33m36s
